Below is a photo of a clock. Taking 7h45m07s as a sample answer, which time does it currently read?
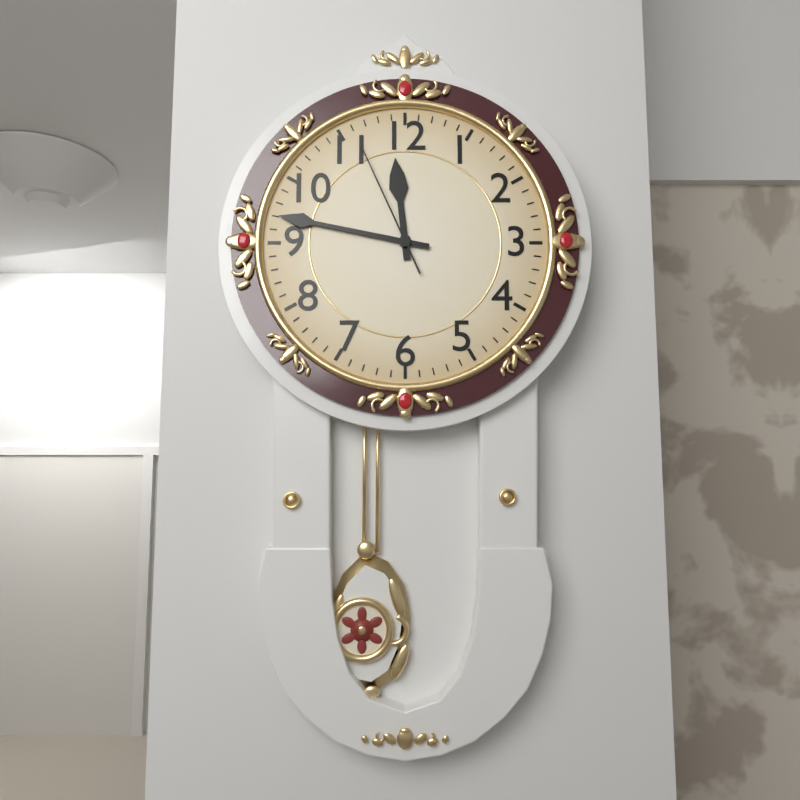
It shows 11h47m56s
